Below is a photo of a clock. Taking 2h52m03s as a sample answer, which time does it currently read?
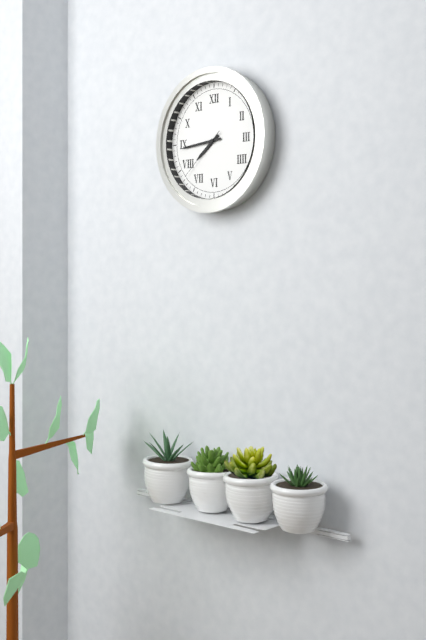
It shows 7h44m38s
